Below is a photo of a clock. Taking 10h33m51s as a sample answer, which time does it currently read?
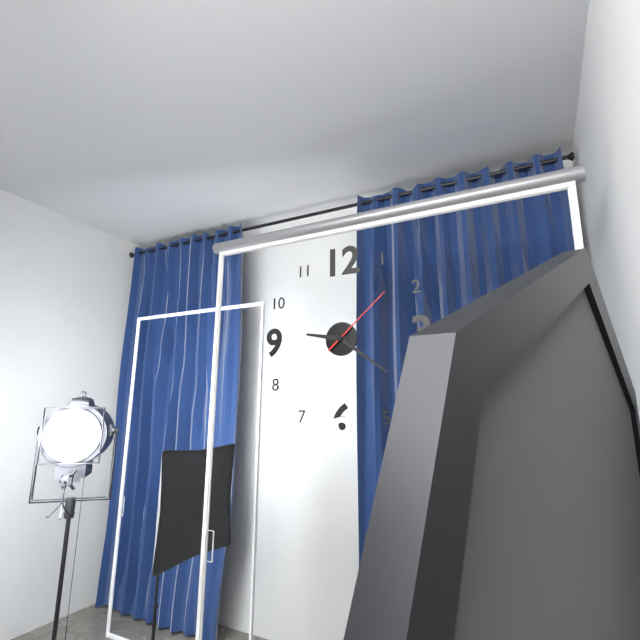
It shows 9h21m08s
